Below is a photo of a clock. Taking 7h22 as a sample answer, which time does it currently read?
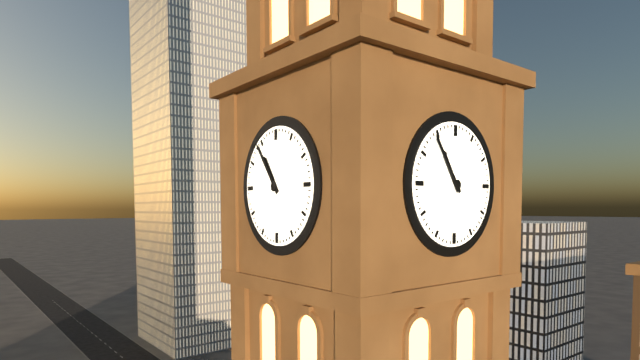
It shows 10h54
